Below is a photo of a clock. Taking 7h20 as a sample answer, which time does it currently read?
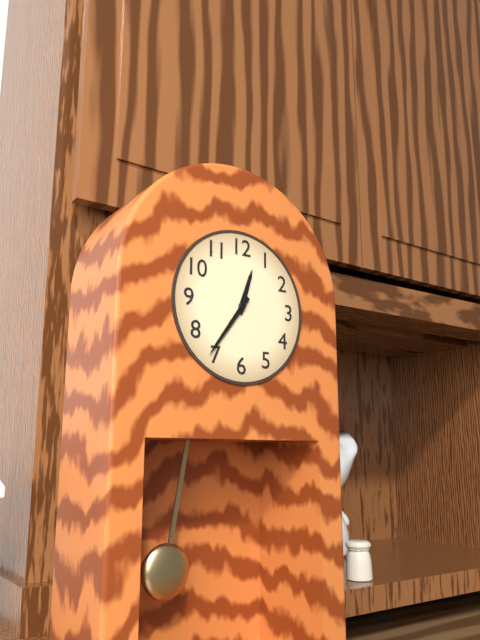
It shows 12h36
